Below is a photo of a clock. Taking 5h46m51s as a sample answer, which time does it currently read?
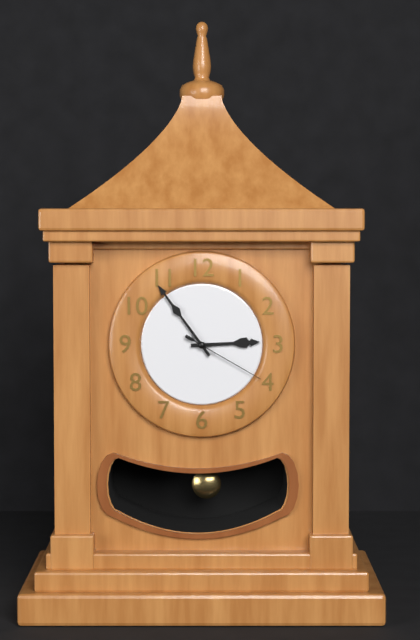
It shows 2h54m20s
